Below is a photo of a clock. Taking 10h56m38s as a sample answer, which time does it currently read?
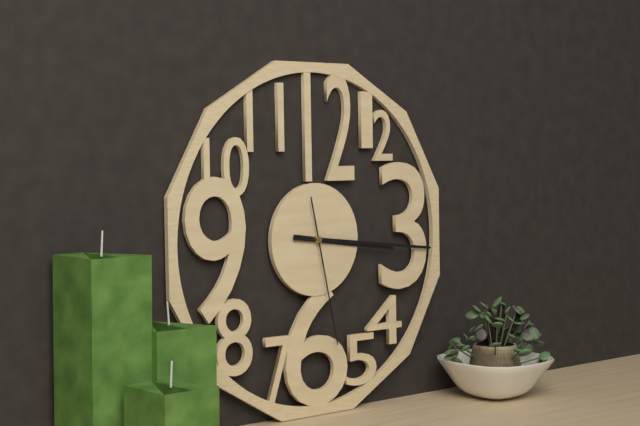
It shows 3h16m28s
